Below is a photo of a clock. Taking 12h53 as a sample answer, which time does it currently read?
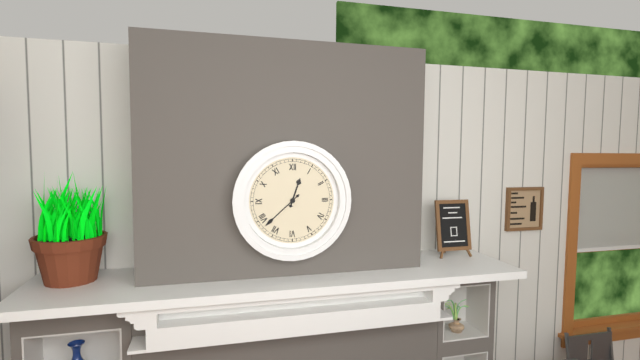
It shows 12h38
